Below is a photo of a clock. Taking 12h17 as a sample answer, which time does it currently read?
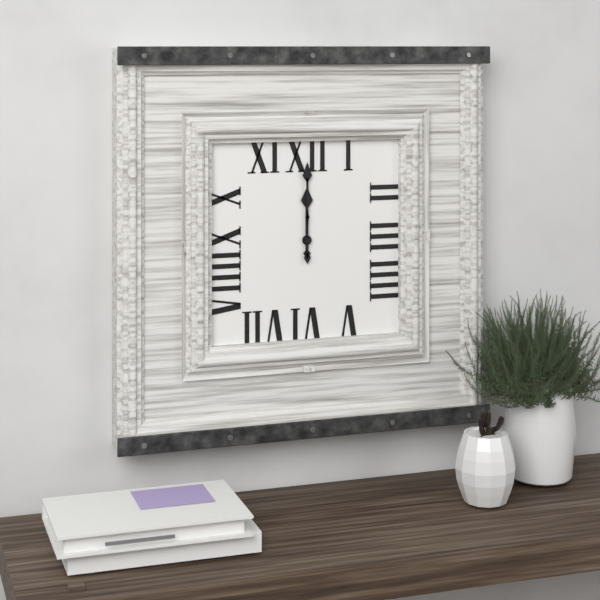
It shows 12h00
